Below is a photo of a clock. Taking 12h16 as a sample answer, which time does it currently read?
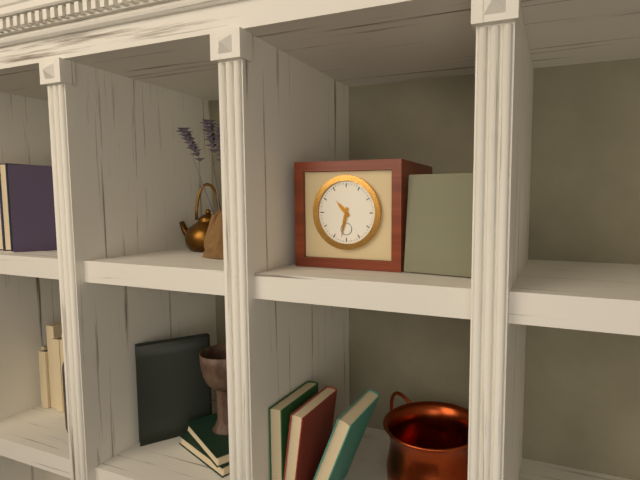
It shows 10h32
